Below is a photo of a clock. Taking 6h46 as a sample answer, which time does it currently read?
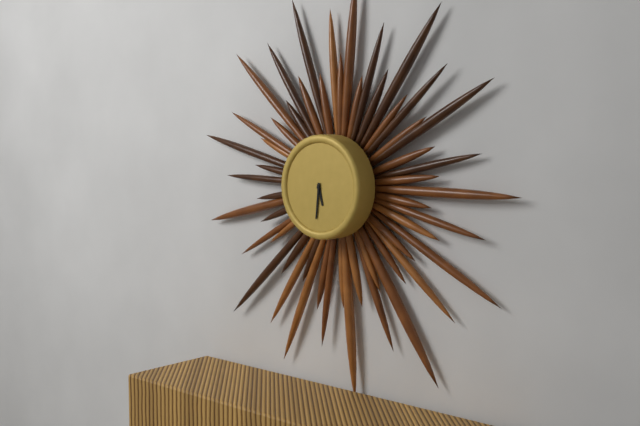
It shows 5h31
